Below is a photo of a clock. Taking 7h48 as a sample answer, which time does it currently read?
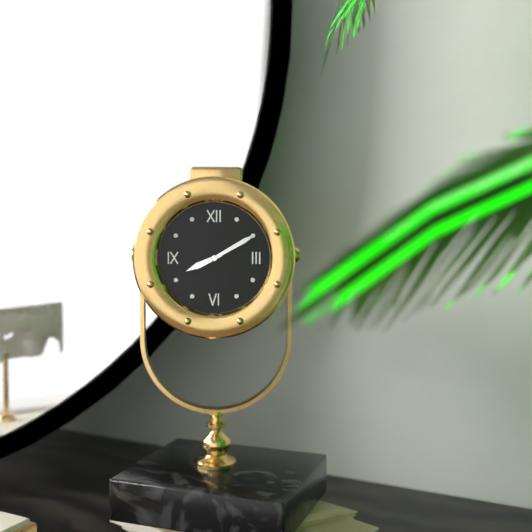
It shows 8h10
